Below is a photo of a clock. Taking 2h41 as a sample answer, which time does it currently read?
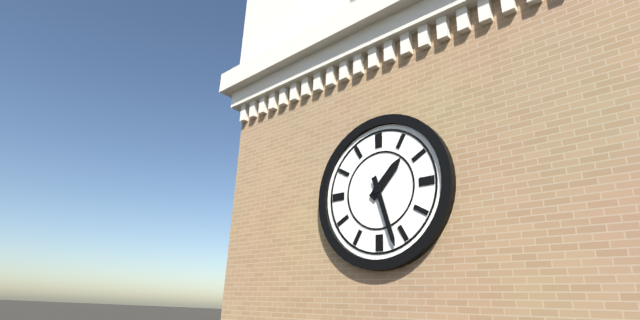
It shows 1h27
